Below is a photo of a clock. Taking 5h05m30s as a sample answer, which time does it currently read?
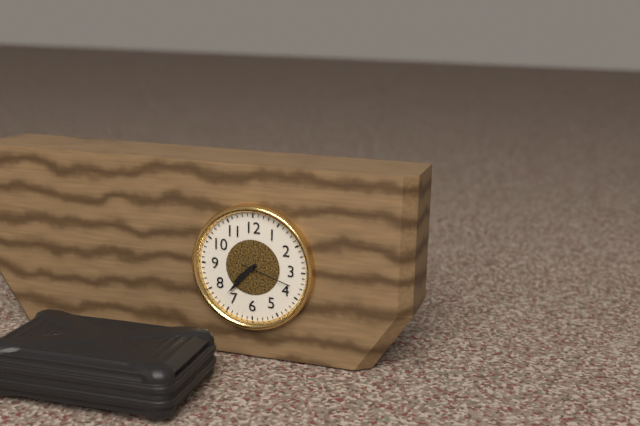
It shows 7h37m18s
